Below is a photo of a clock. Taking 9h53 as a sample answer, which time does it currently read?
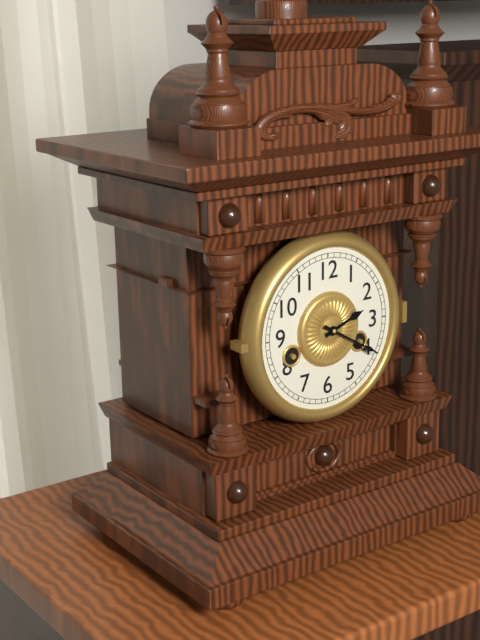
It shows 2h20
